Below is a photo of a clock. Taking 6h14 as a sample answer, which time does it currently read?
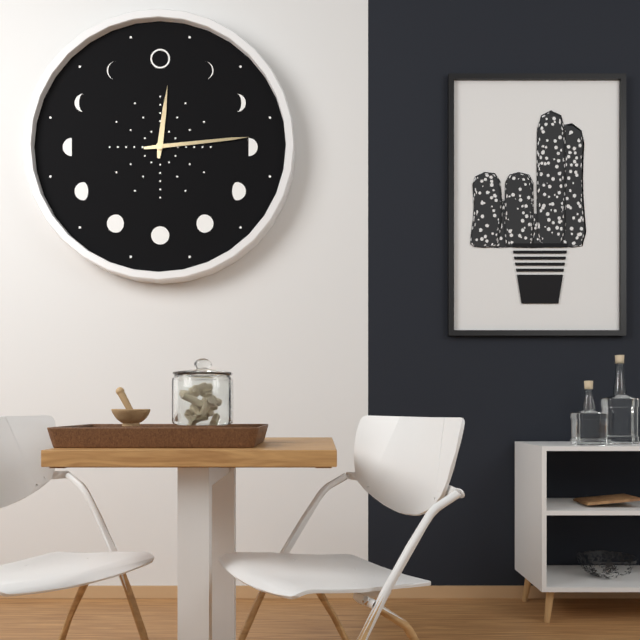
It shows 12h14
